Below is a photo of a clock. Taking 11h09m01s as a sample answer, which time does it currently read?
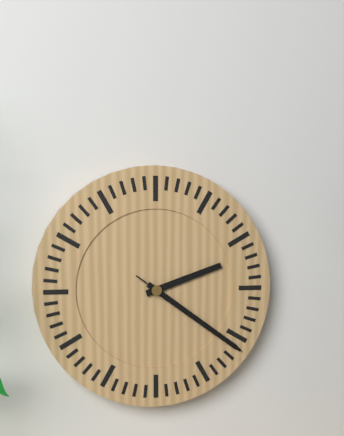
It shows 2h21m21s
